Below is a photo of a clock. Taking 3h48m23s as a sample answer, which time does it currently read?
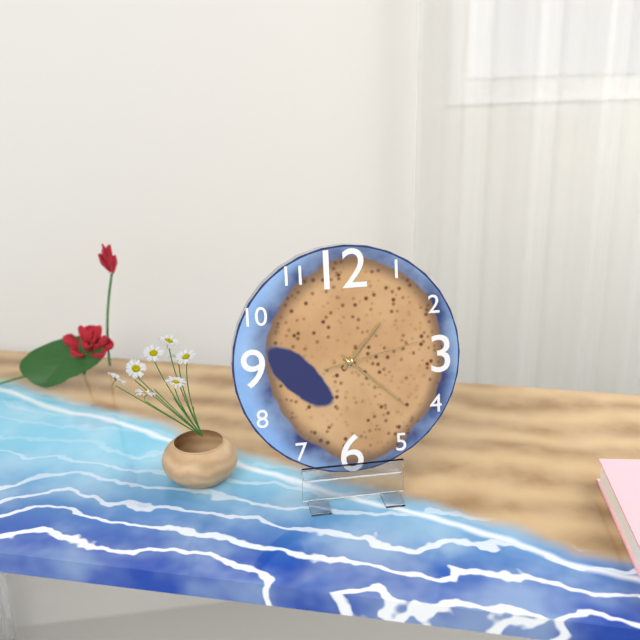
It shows 1h22m13s
